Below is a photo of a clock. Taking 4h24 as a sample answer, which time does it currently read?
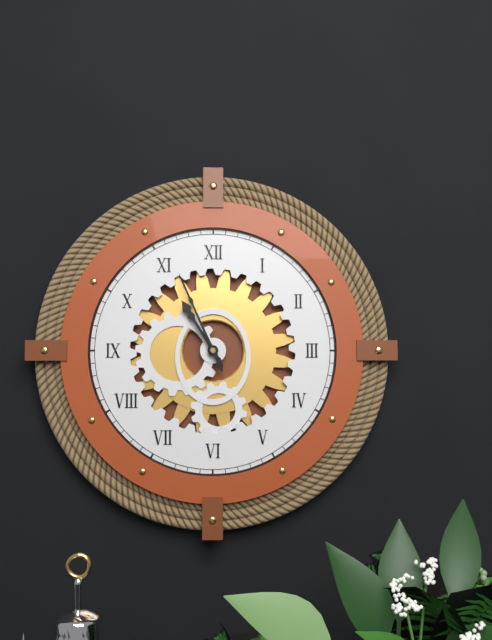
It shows 10h56
